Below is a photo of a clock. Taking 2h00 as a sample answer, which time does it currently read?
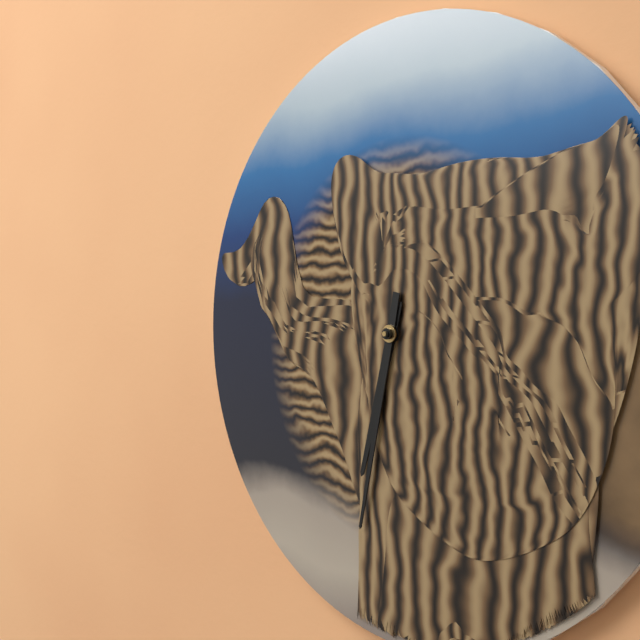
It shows 6h32
